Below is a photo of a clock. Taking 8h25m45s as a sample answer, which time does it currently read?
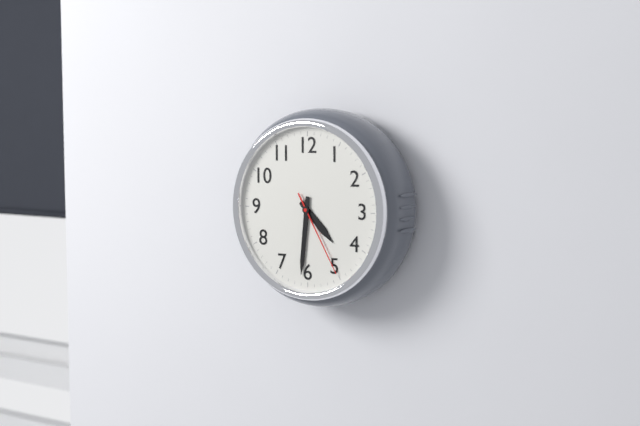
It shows 4h31m25s
